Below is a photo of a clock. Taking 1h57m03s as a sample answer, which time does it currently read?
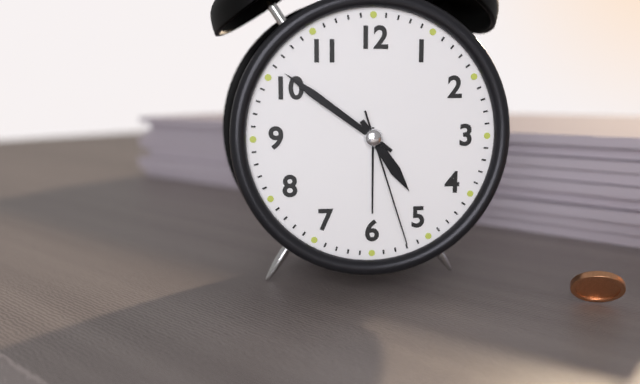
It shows 4h51m27s
